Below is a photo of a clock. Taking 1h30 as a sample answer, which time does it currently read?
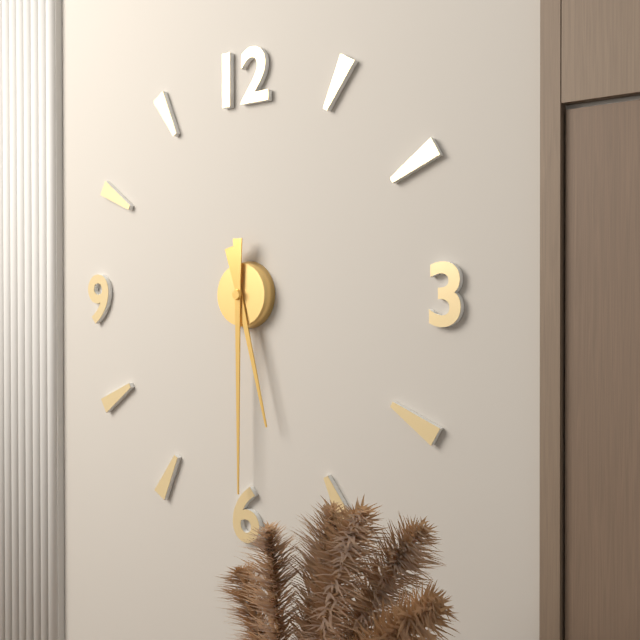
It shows 5h30
